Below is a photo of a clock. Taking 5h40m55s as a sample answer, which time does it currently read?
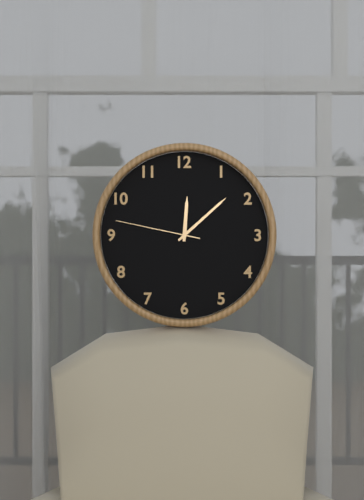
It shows 12h08m47s
